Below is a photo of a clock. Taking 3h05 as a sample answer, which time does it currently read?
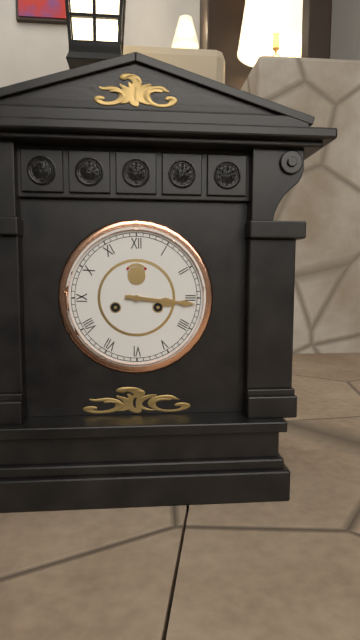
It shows 3h16
